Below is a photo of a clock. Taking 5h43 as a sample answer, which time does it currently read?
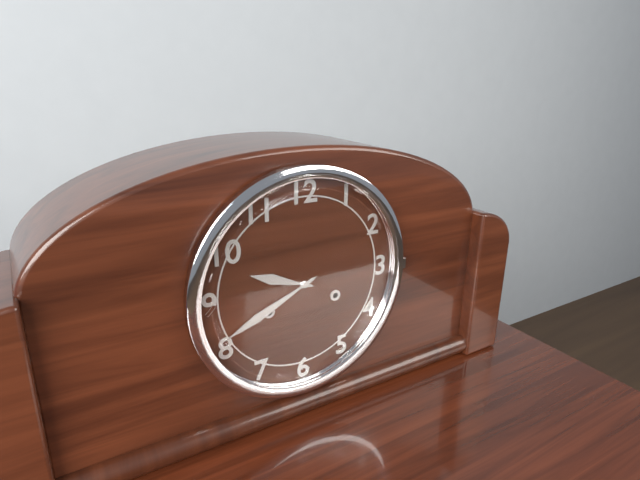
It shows 9h41
